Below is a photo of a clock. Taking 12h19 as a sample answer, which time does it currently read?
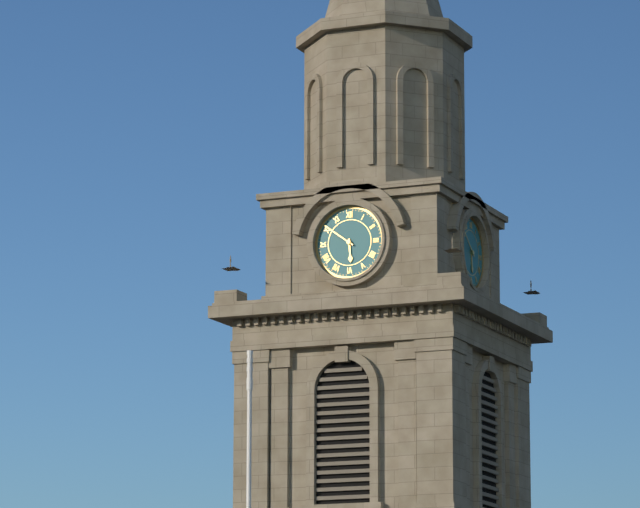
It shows 5h51
